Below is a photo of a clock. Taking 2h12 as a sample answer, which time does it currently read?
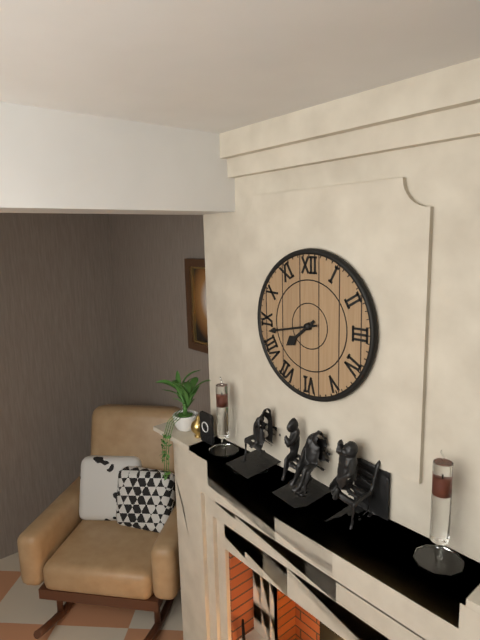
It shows 7h43
